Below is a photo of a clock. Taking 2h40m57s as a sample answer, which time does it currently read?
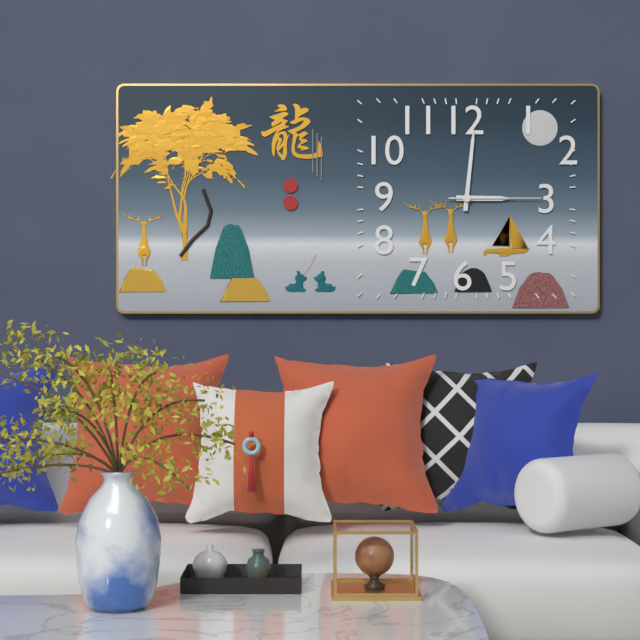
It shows 3h01m15s
